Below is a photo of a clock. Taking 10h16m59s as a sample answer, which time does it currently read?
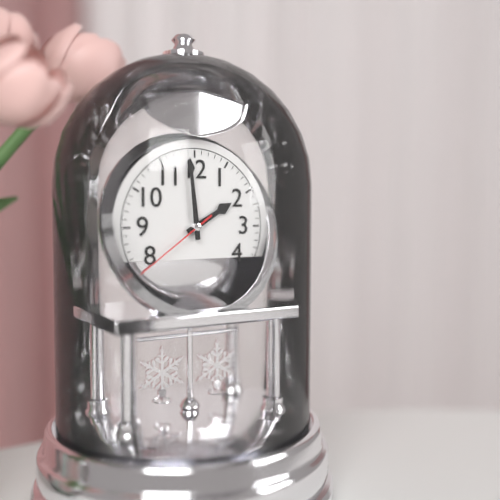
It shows 1h59m39s
